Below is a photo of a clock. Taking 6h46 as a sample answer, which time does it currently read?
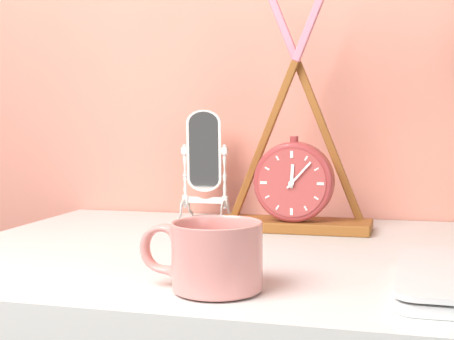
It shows 12h07
